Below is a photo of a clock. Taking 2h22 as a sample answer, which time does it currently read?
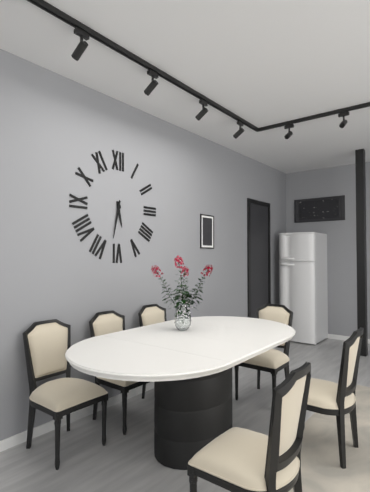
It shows 5h32
